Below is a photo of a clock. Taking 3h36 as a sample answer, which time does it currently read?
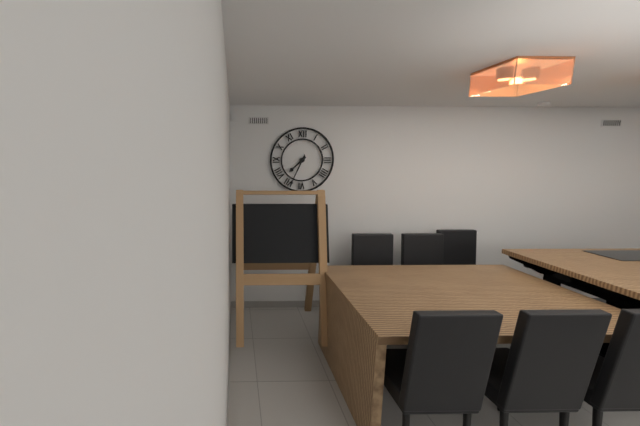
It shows 7h34
